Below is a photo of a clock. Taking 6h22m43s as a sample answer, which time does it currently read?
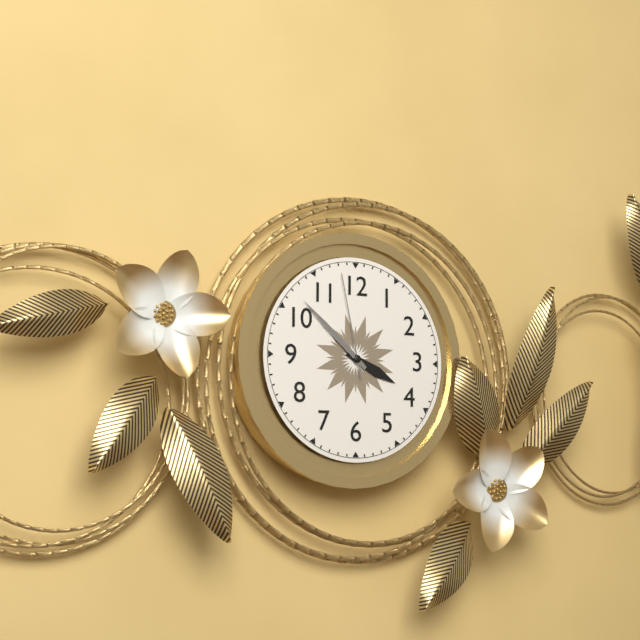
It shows 3h52m58s
